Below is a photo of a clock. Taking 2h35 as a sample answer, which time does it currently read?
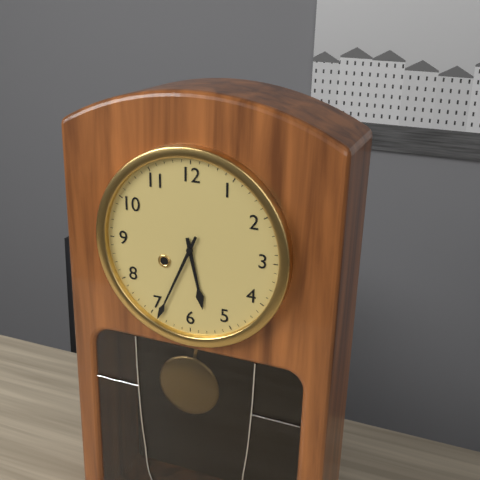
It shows 5h34
